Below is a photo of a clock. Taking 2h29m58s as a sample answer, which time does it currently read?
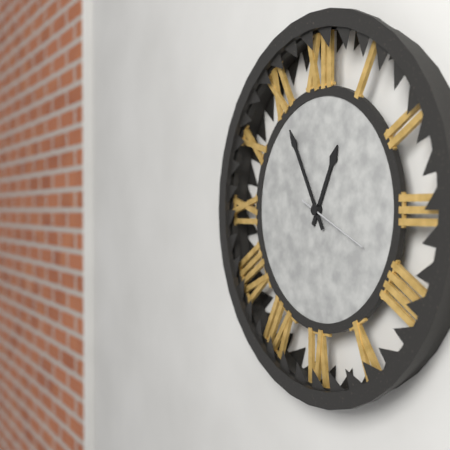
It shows 12h55m19s
